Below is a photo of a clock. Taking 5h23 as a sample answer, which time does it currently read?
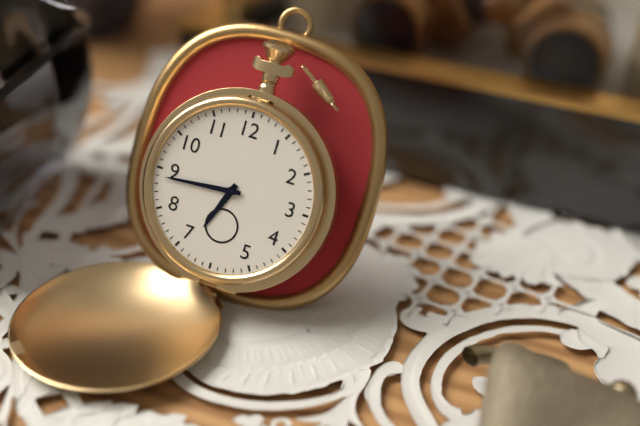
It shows 6h44
